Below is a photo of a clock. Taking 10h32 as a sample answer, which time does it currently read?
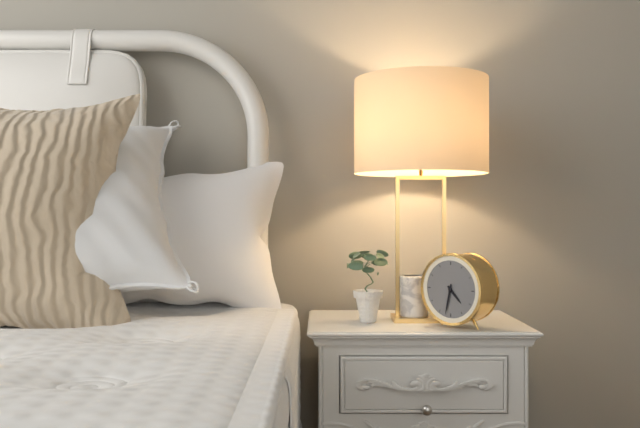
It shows 4h32
